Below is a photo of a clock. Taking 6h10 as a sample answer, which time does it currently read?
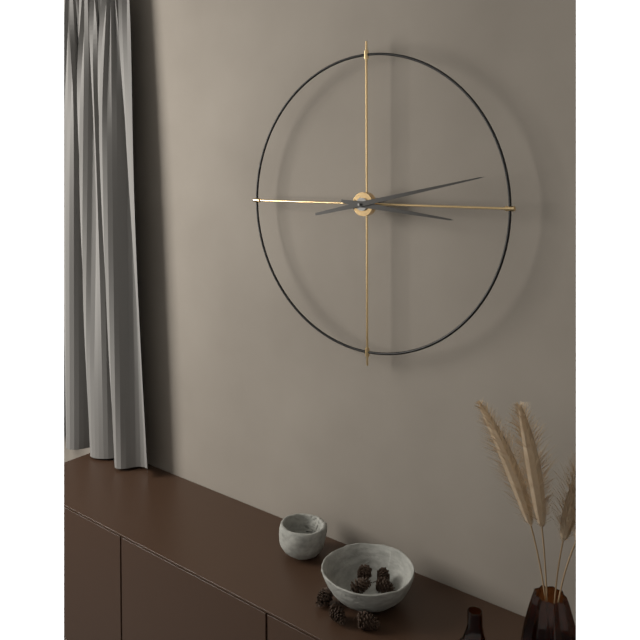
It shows 3h13
